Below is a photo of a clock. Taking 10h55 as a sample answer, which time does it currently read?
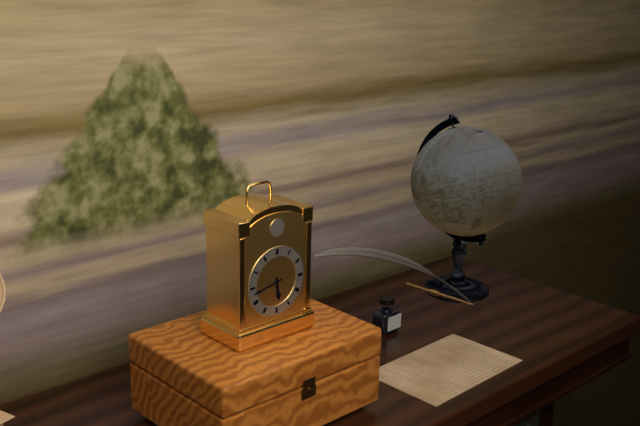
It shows 5h43
